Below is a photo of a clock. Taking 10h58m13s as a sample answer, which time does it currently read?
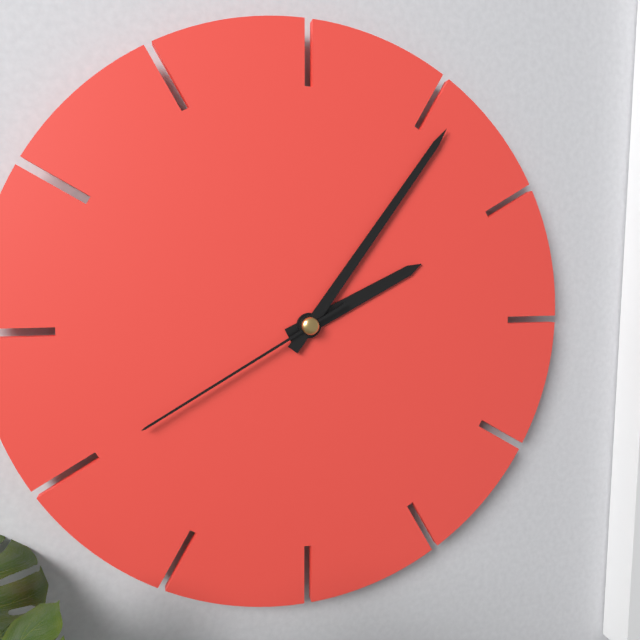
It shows 2h06m40s
